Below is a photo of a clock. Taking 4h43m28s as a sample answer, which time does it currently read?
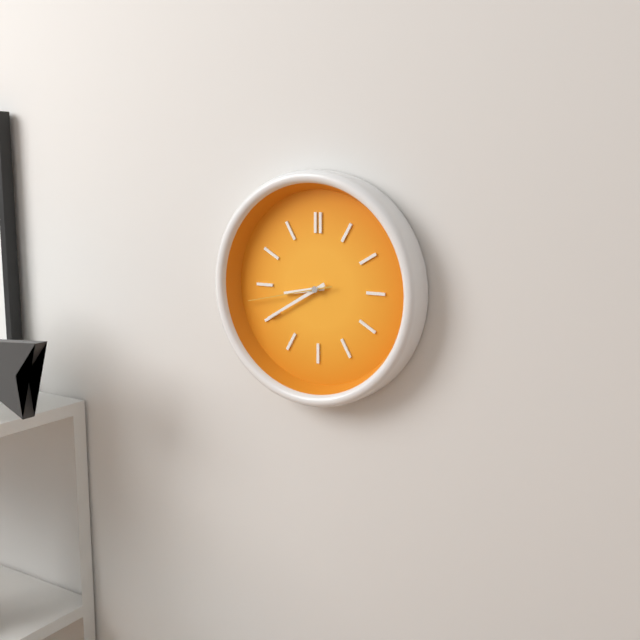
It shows 8h40m43s
